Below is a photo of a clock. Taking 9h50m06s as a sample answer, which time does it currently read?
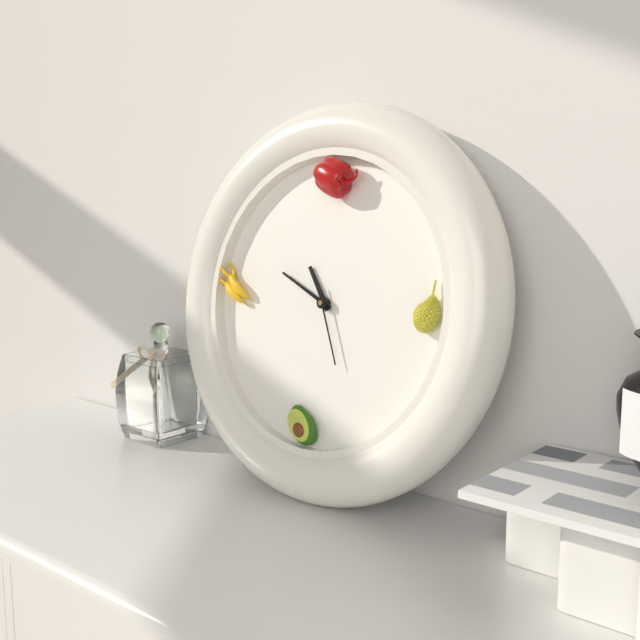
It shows 10h49m26s
